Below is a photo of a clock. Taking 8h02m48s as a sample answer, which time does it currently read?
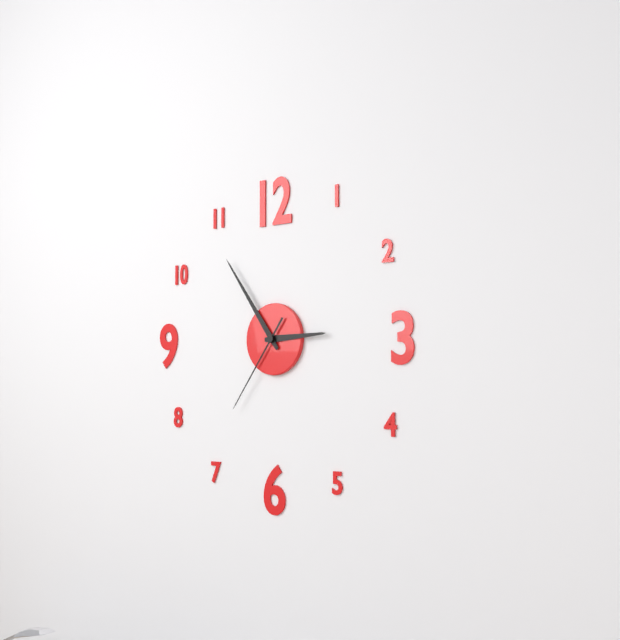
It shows 2h54m36s
